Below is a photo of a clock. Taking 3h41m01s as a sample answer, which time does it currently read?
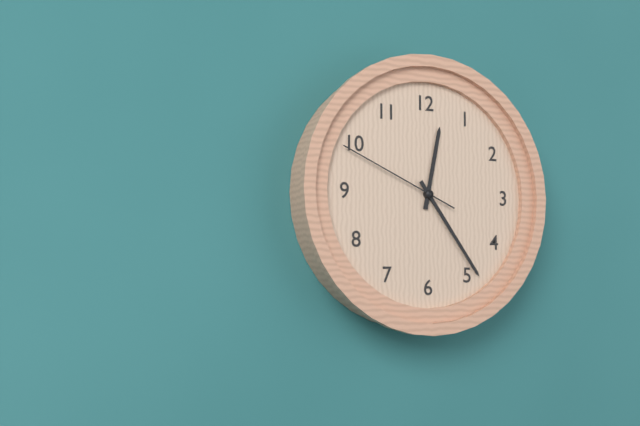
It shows 12h24m49s
